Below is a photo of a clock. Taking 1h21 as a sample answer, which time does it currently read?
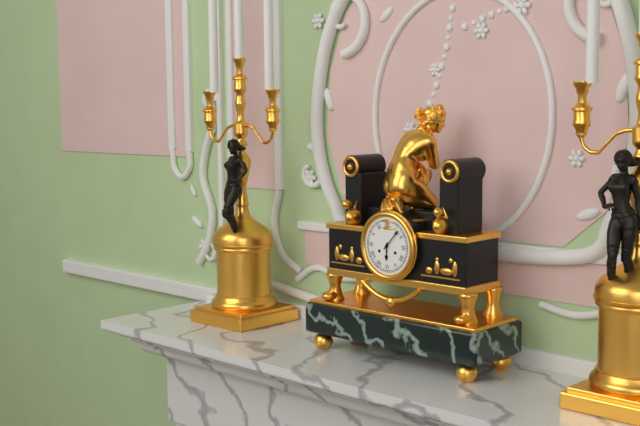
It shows 6h07
